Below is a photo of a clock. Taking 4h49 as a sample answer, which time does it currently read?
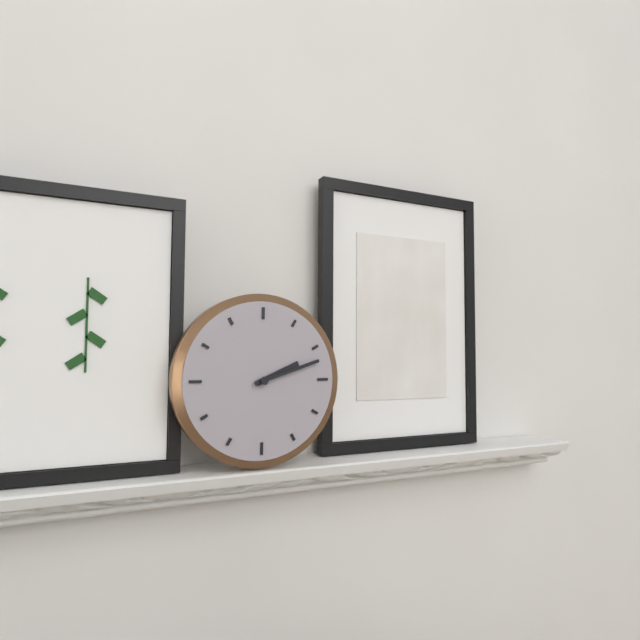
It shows 2h12
